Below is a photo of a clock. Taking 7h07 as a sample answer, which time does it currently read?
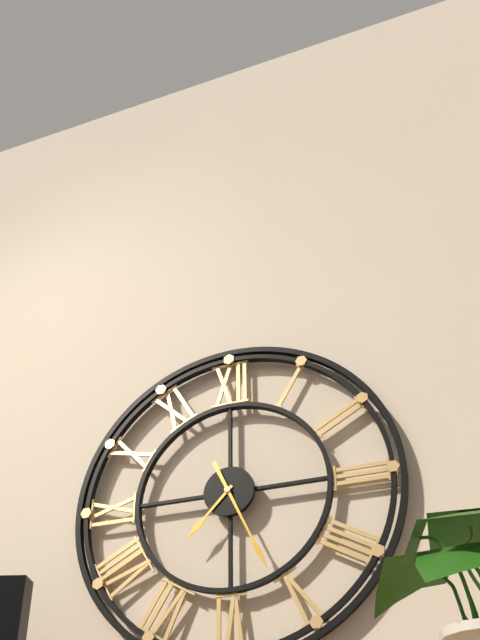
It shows 7h26
